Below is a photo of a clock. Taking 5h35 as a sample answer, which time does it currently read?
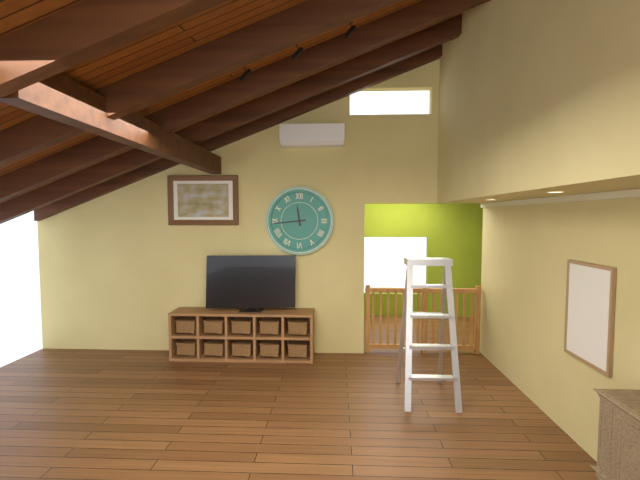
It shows 11h44
